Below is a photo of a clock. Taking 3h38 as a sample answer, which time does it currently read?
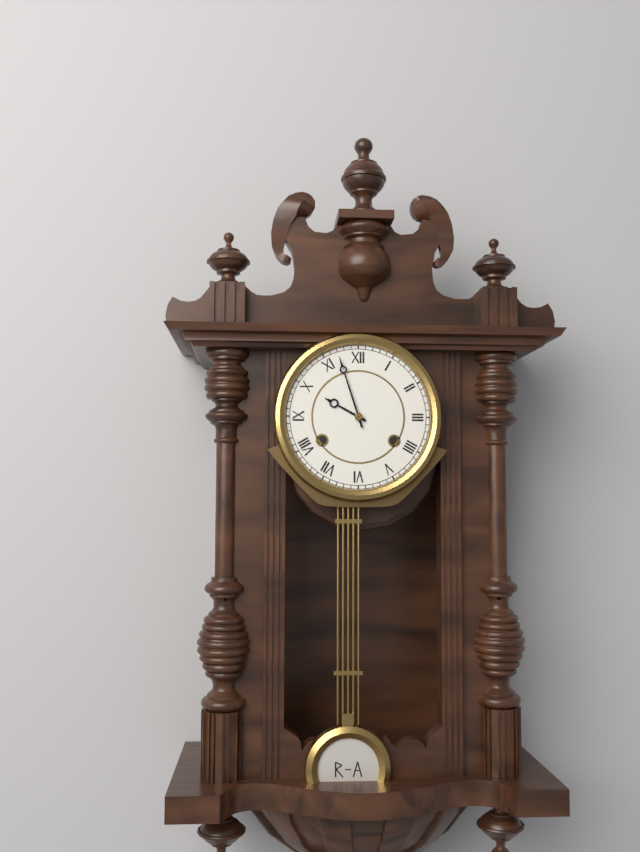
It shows 9h57
